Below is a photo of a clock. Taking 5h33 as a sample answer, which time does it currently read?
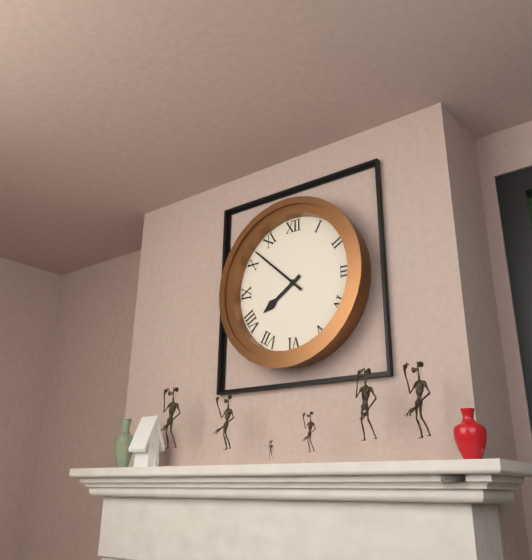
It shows 7h52
